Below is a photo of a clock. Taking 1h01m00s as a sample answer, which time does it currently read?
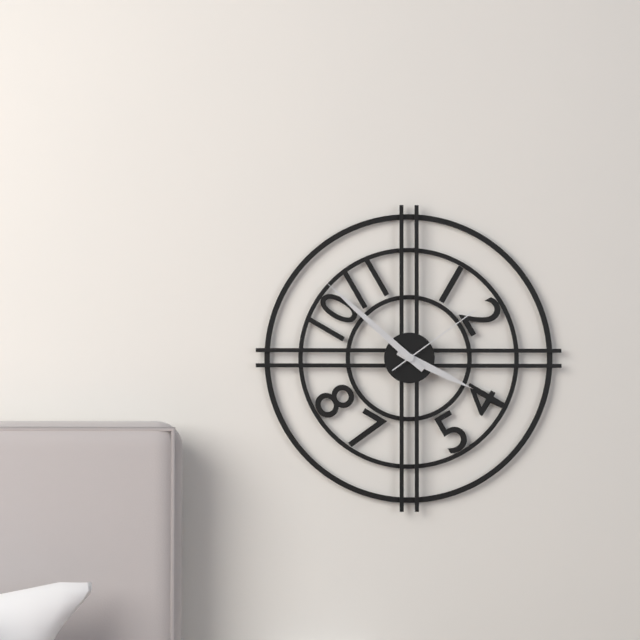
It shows 3h52m09s
